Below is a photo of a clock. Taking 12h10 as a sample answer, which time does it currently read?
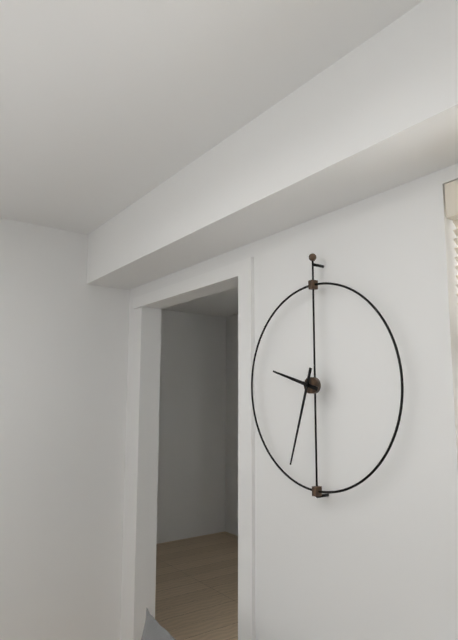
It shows 9h33
